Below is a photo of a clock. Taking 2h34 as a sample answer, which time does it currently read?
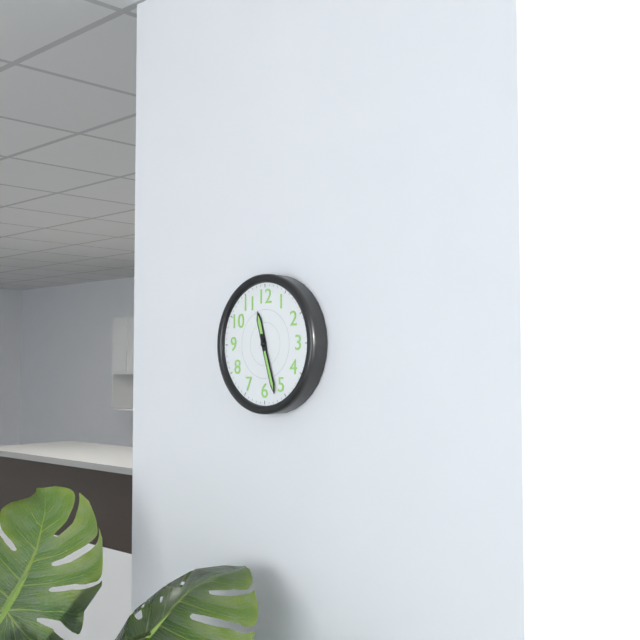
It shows 11h27
